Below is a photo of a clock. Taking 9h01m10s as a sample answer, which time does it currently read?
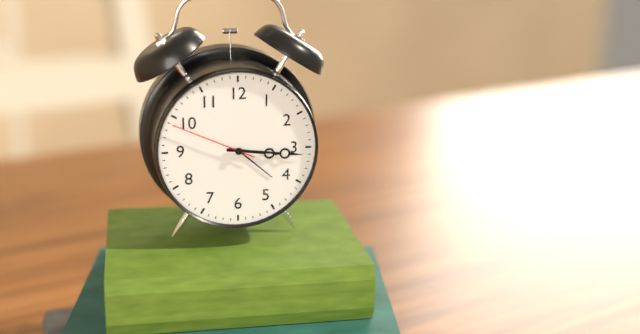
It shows 3h16m49s
